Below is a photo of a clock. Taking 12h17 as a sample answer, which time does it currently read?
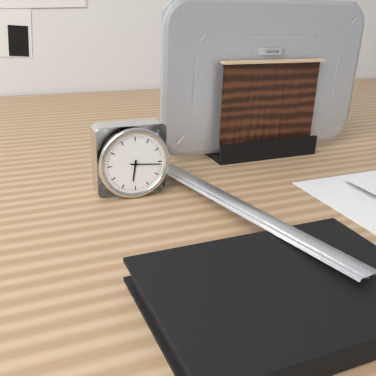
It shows 6h16
